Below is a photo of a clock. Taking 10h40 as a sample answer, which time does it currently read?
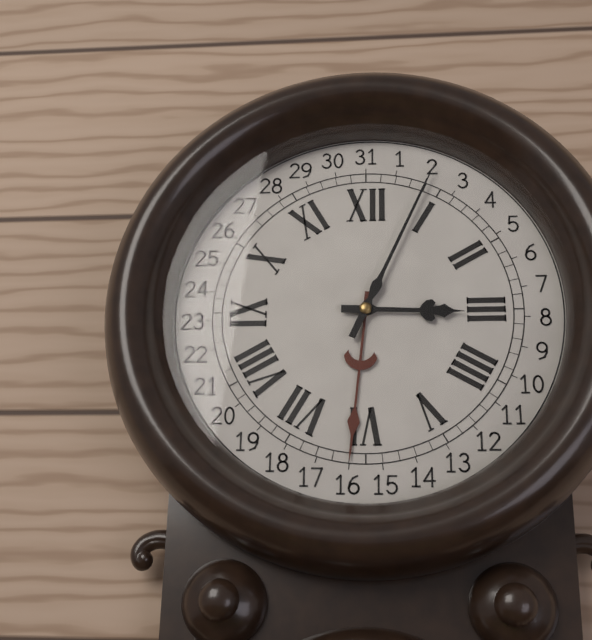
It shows 3h04
